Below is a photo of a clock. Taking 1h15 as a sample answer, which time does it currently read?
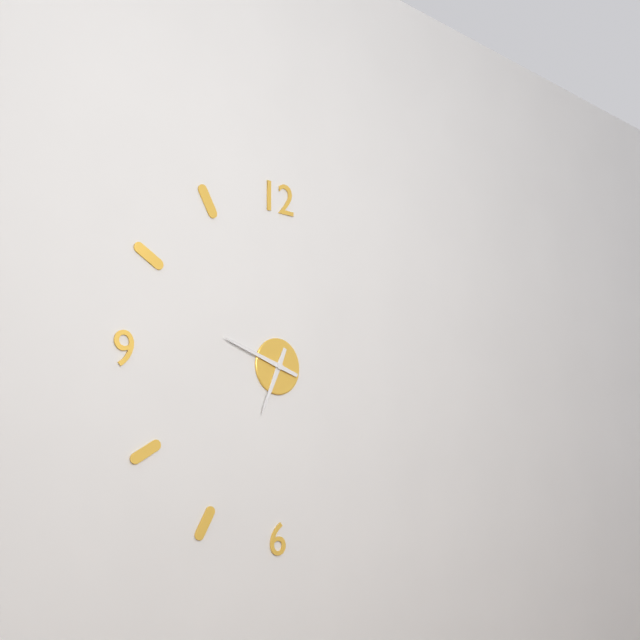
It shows 6h48
